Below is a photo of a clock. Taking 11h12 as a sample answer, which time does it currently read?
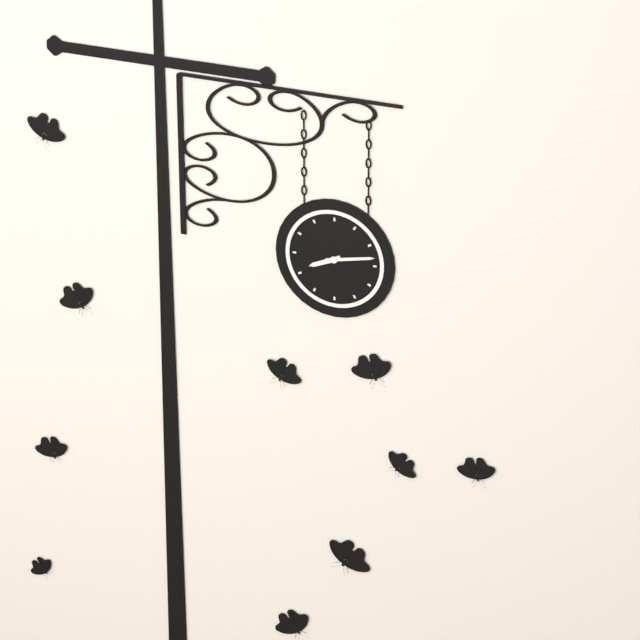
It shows 8h13
